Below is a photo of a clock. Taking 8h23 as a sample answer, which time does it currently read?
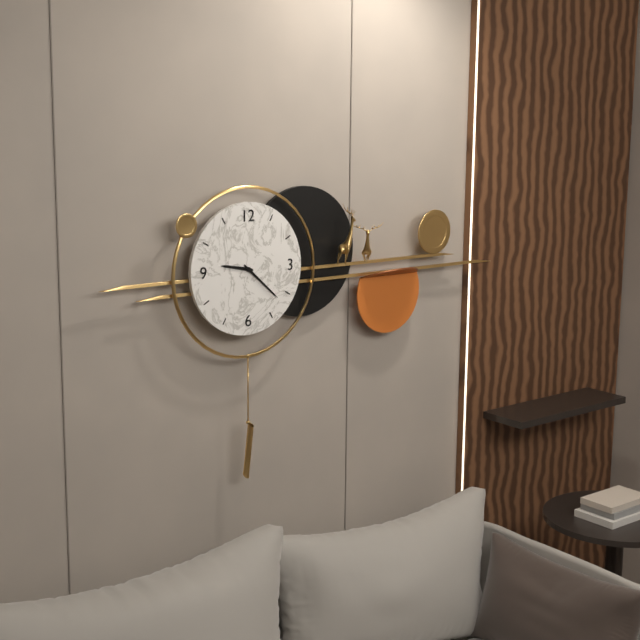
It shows 9h22
